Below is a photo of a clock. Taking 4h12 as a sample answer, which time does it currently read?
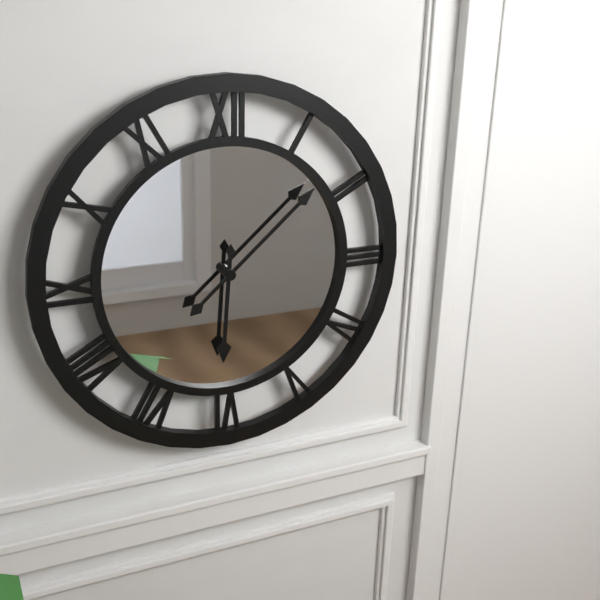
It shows 6h08
